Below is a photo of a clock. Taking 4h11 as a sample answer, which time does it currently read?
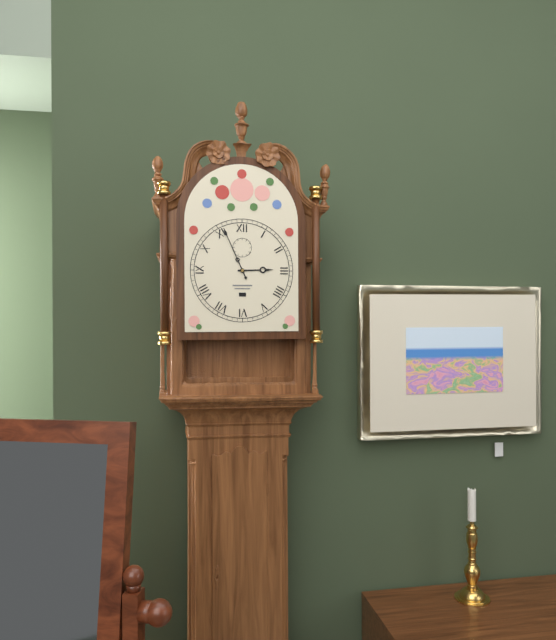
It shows 2h56
